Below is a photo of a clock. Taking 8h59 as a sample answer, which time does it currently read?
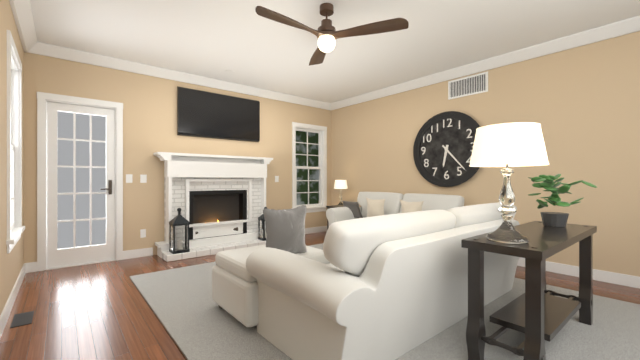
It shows 6h23
